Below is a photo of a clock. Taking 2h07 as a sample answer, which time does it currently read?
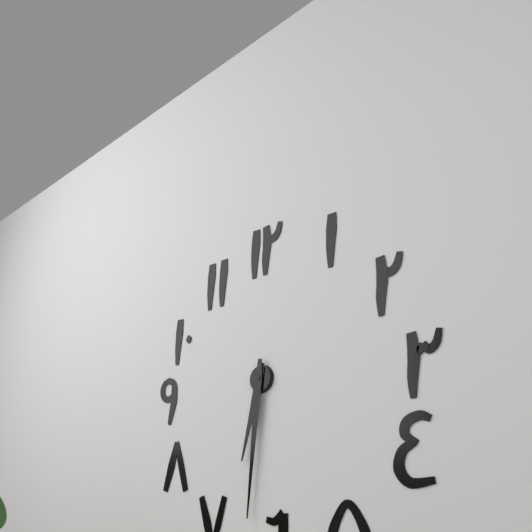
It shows 6h31
